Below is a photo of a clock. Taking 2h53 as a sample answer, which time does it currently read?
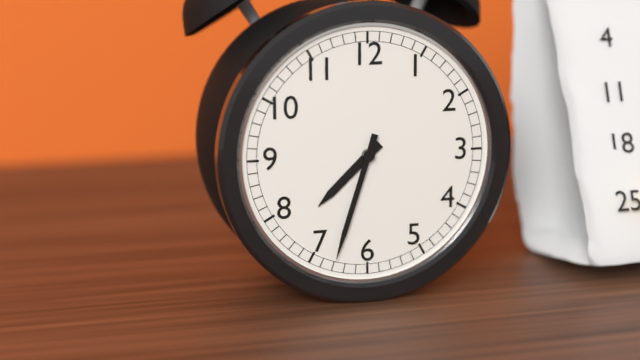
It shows 7h33
